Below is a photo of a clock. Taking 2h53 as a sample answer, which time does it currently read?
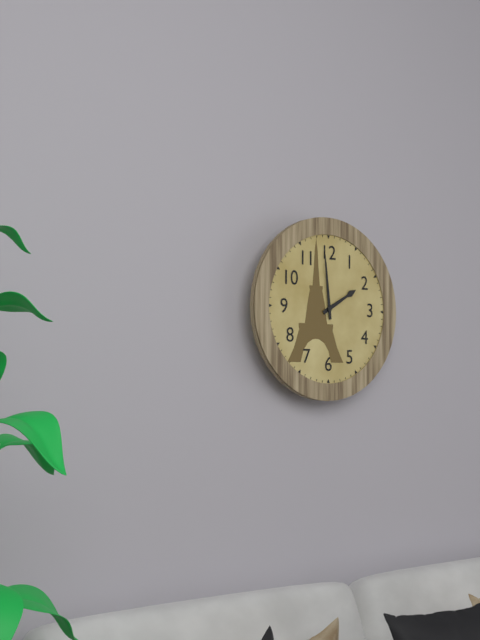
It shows 1h59
